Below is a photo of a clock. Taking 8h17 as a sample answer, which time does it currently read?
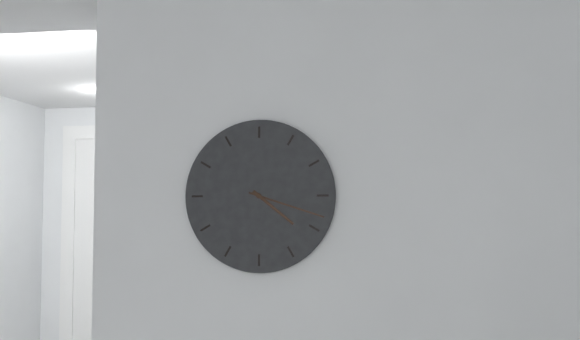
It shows 4h18
